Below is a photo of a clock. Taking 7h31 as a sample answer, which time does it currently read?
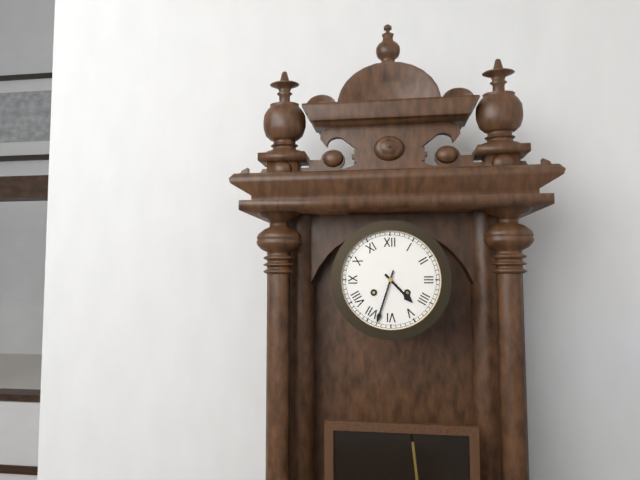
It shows 4h33
